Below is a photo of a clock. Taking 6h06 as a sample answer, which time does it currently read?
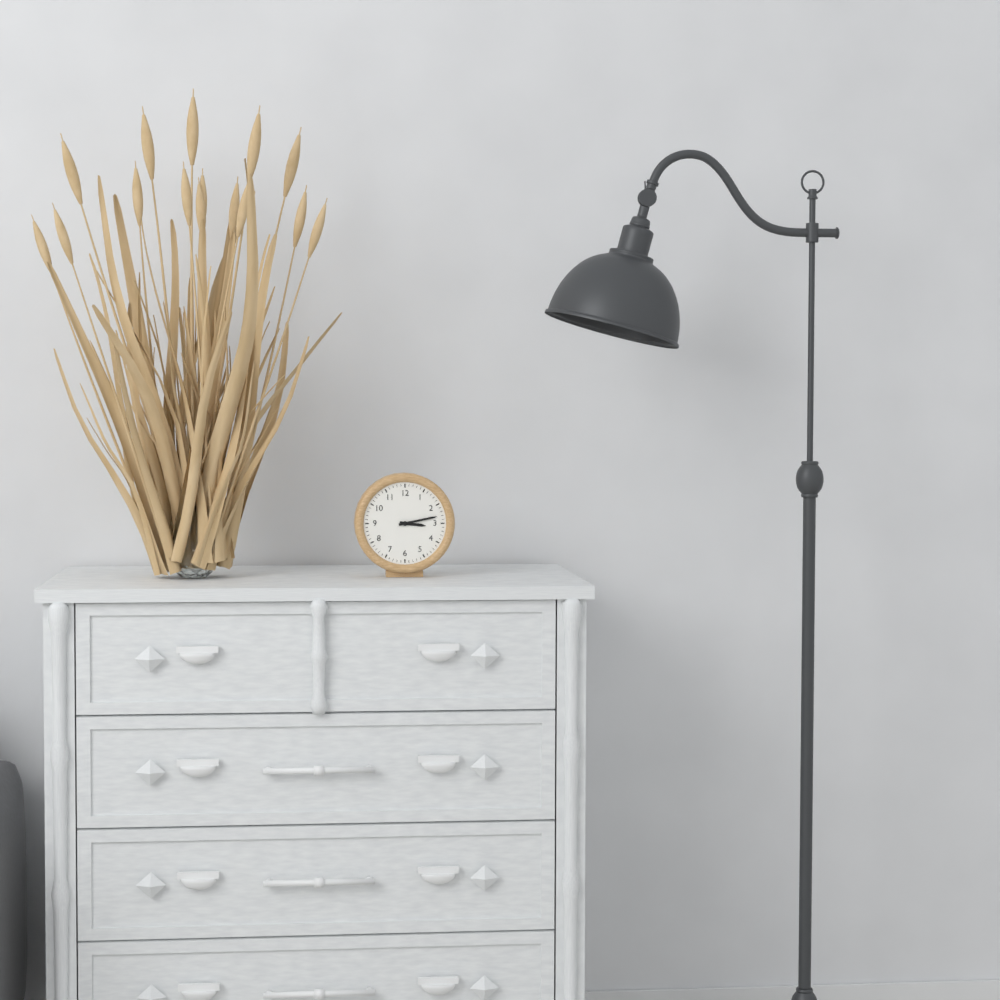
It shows 3h13
